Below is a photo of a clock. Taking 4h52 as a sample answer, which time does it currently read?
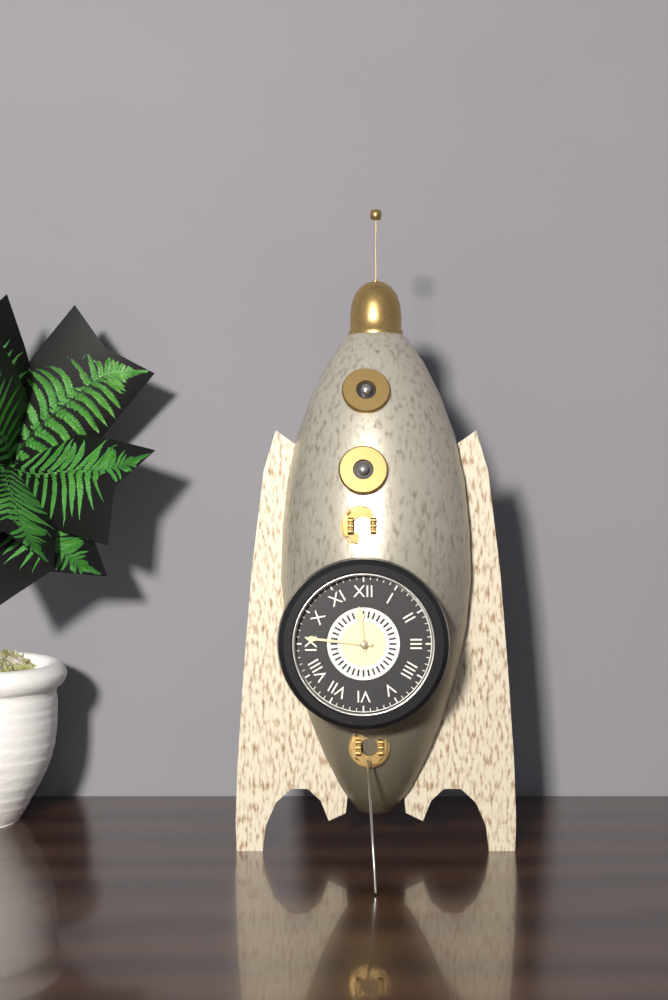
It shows 11h46
